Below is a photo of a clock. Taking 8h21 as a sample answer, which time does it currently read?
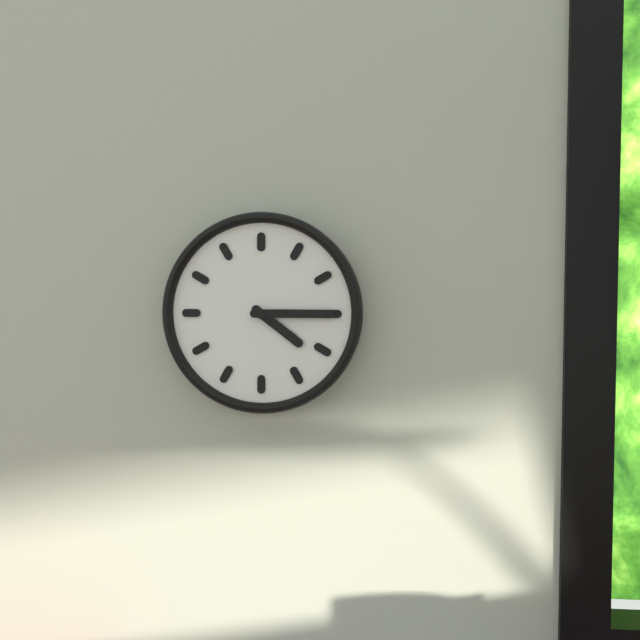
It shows 4h15
